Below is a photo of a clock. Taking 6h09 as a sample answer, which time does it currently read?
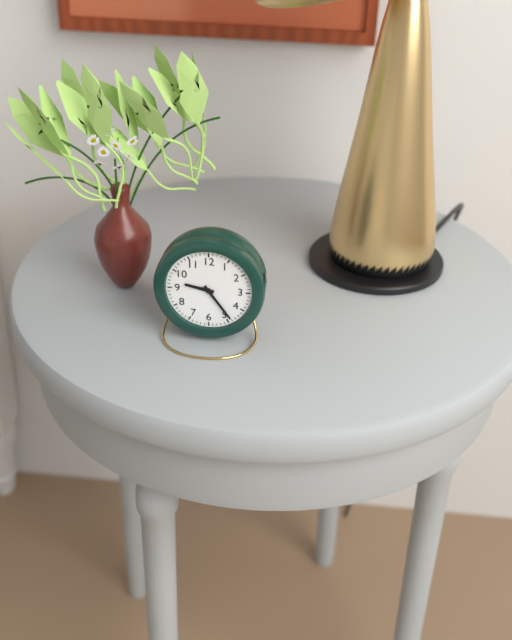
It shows 9h24
